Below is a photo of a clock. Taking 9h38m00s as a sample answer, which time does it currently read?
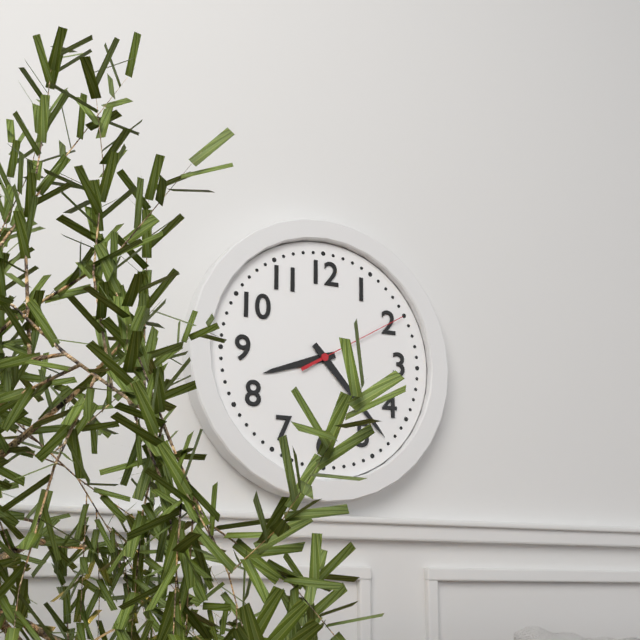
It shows 8h23m10s
